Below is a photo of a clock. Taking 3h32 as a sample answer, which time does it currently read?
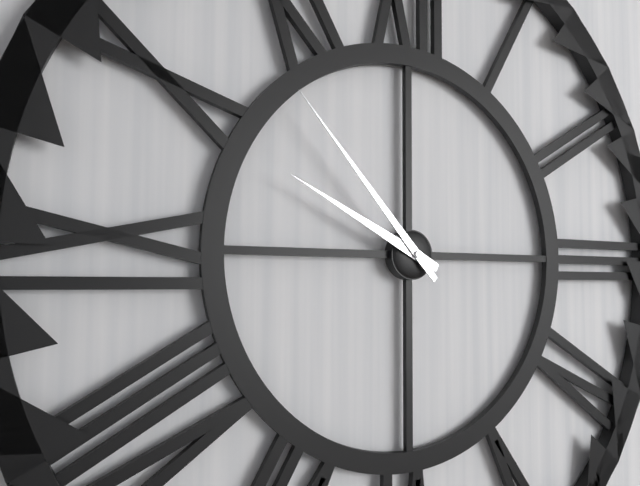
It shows 9h53
